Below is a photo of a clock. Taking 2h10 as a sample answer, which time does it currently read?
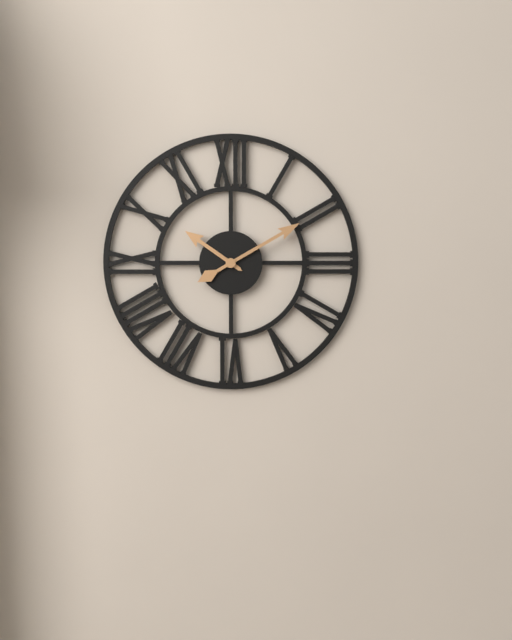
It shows 10h10
